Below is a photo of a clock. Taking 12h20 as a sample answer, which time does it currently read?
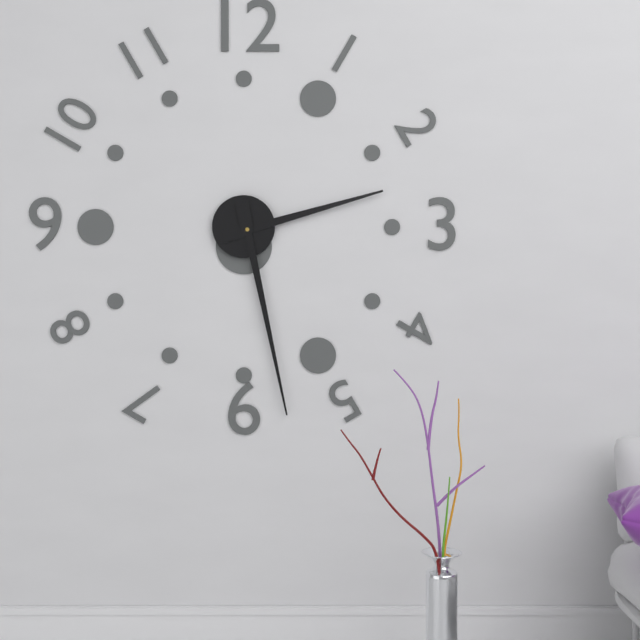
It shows 2h28
